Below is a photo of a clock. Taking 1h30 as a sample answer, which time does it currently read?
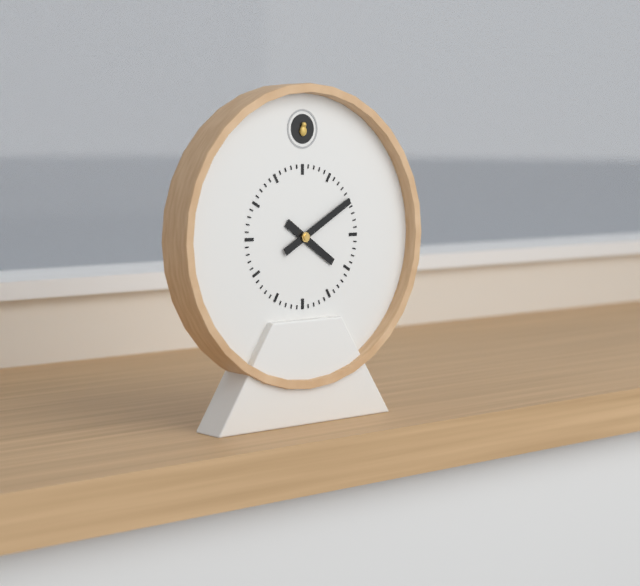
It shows 4h10
